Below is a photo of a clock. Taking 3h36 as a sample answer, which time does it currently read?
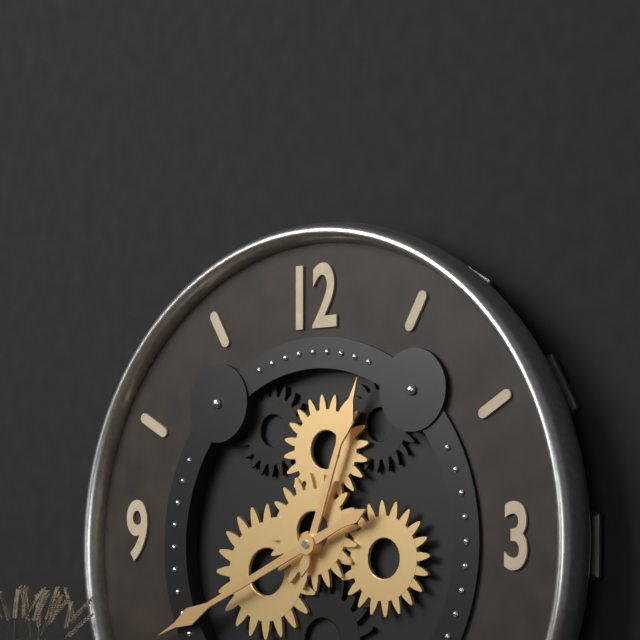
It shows 12h41
